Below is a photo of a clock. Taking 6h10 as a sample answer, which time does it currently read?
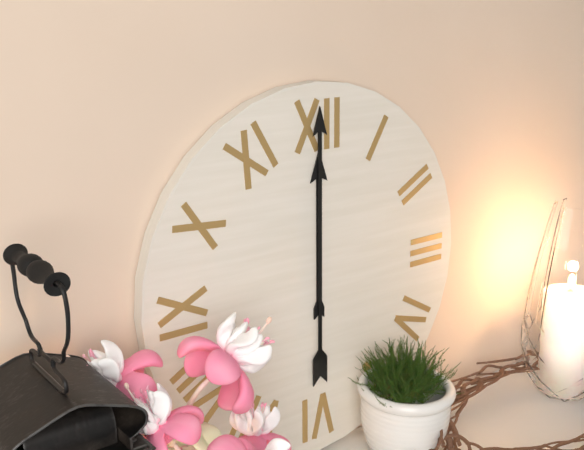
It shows 12h00
